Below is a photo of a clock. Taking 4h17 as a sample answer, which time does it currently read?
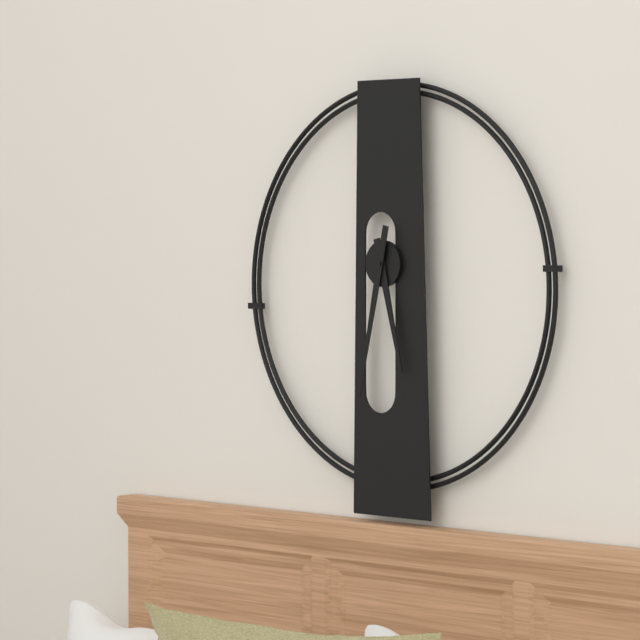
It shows 5h32
